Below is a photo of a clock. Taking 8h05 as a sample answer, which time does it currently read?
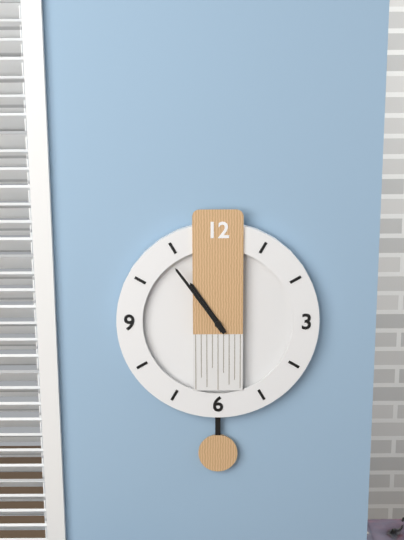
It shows 10h54
